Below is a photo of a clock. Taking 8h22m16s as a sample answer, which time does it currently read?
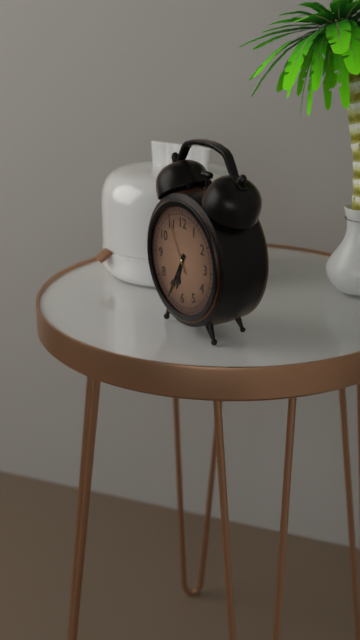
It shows 6h35m55s
